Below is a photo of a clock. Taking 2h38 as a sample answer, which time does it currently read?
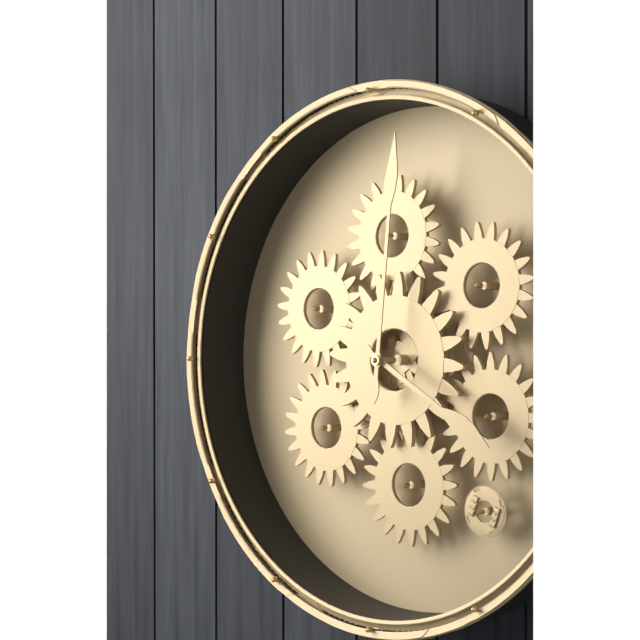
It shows 4h01
